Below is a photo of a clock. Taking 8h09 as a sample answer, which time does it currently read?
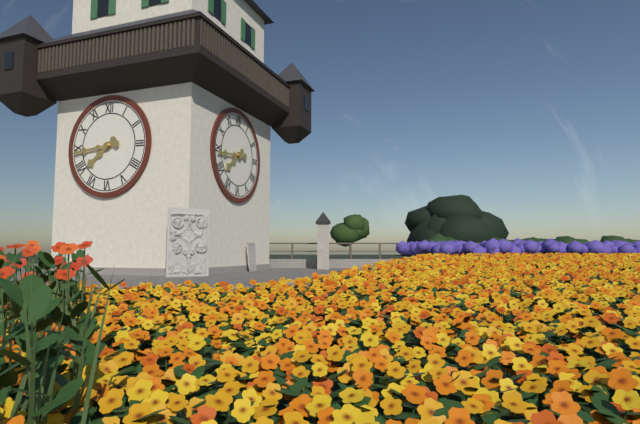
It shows 7h44
